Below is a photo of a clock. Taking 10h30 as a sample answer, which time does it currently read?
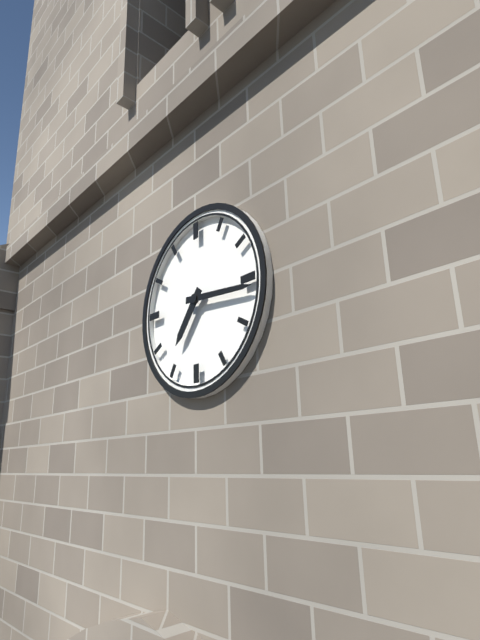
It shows 7h16
